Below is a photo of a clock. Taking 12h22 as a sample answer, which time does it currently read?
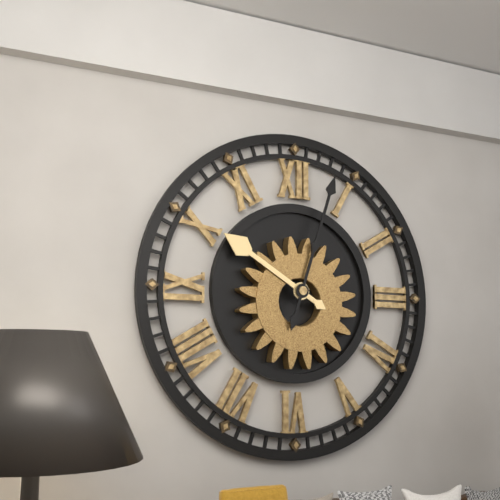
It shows 10h03
